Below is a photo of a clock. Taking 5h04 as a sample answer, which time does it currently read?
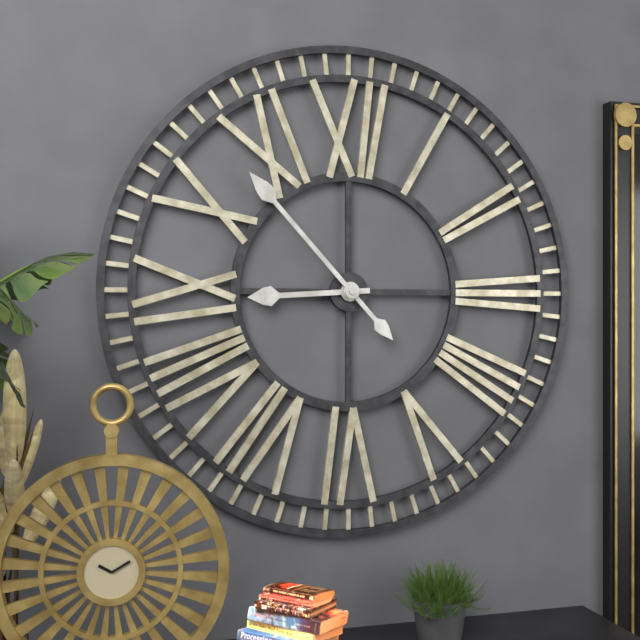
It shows 8h53
